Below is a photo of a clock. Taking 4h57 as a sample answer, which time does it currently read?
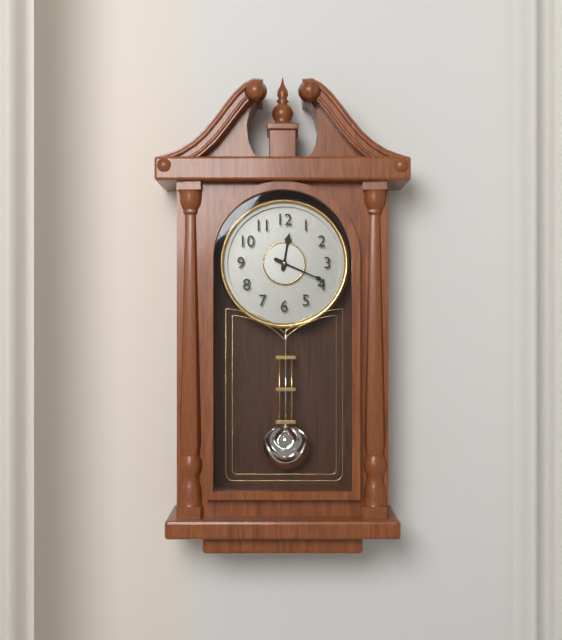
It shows 12h19
